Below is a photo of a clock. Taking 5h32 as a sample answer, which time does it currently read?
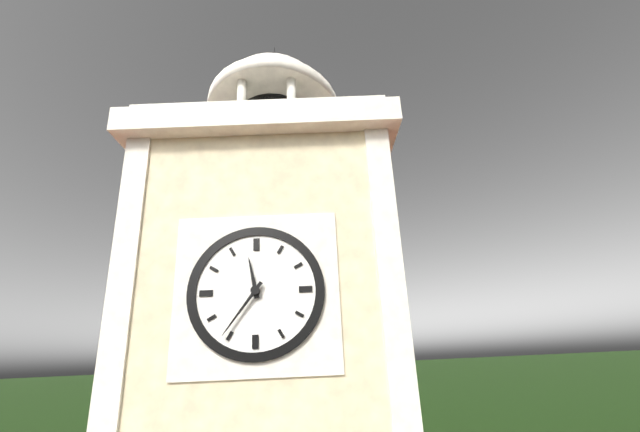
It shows 11h36
